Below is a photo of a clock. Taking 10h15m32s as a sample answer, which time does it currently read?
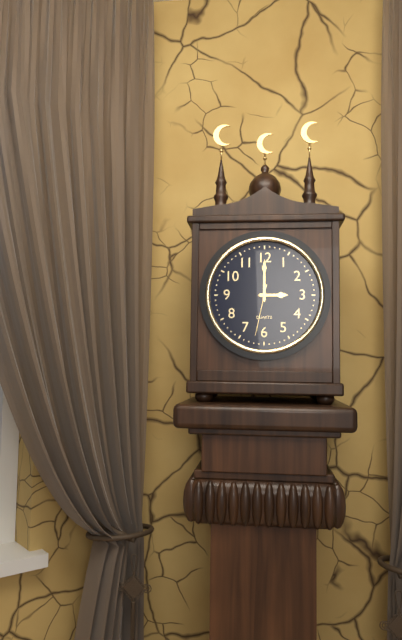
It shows 3h00m32s
